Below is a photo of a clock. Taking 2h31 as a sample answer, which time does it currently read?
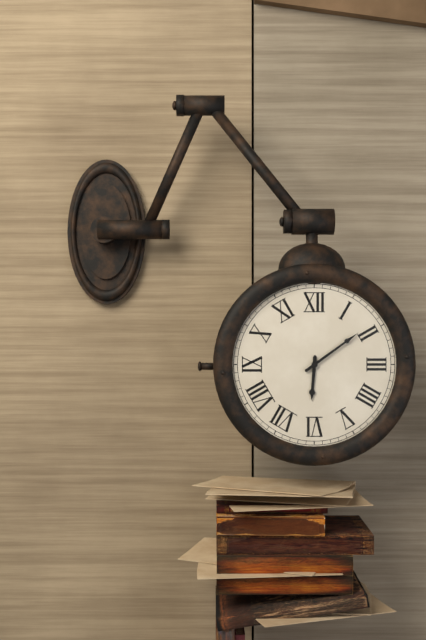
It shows 6h09
